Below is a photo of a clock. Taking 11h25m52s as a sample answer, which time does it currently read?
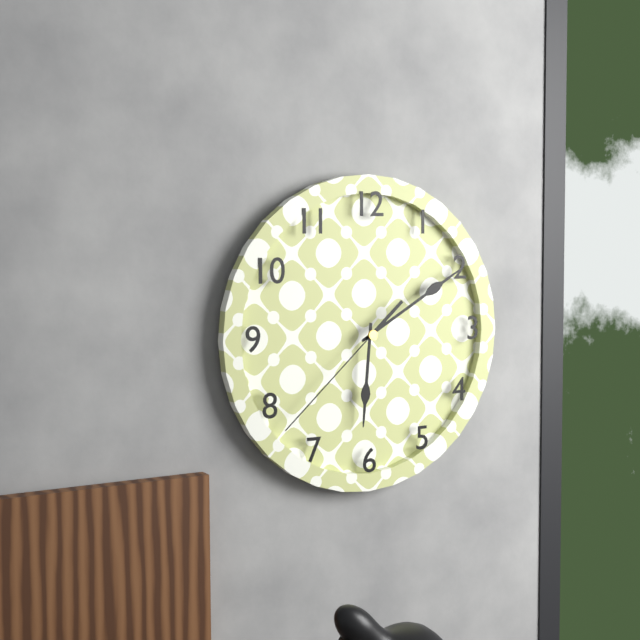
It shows 6h10m38s
